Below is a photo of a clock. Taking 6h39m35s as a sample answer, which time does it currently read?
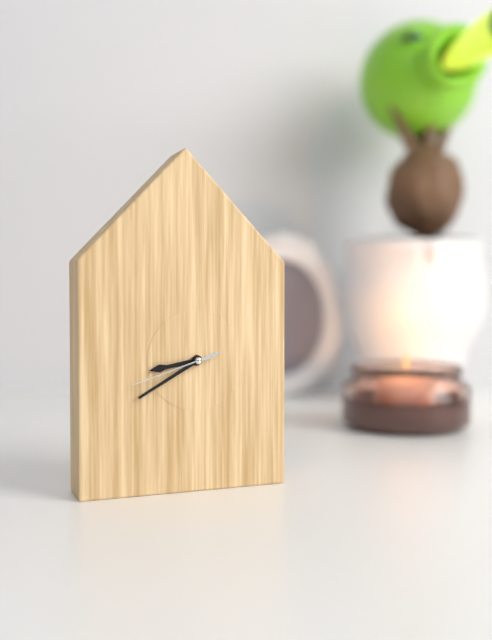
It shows 8h40m42s
